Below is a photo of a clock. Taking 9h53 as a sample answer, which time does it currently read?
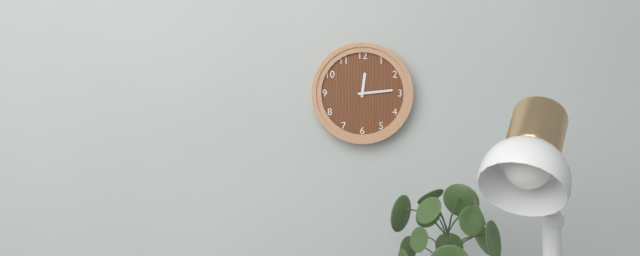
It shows 12h14
